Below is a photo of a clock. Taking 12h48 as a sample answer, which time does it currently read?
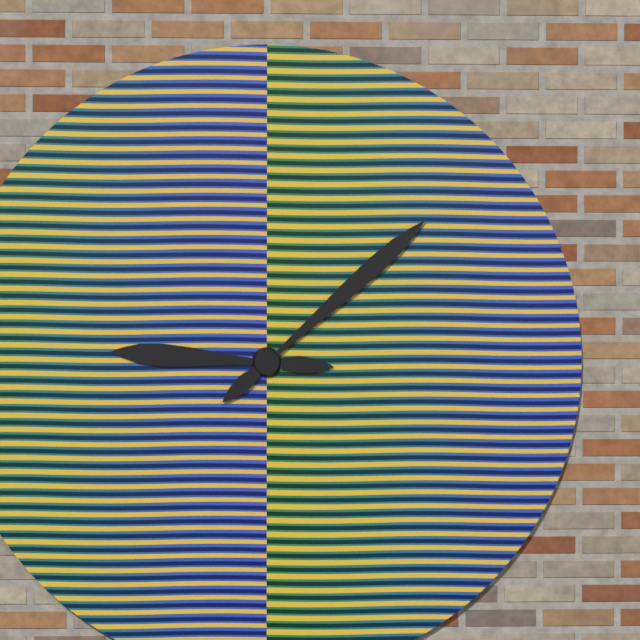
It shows 9h08
